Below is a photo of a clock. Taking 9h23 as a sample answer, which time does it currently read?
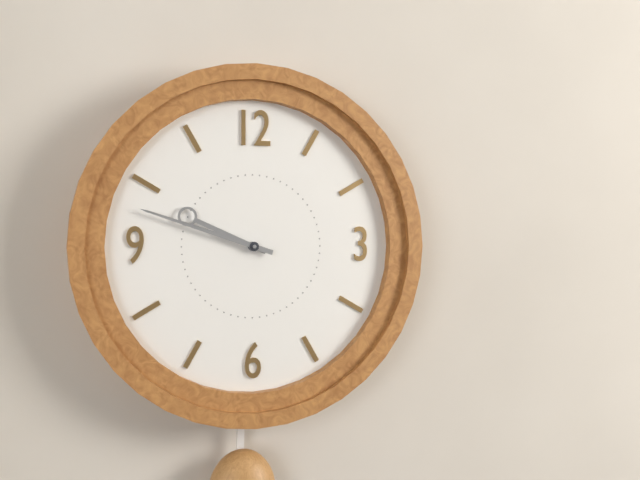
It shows 9h48
